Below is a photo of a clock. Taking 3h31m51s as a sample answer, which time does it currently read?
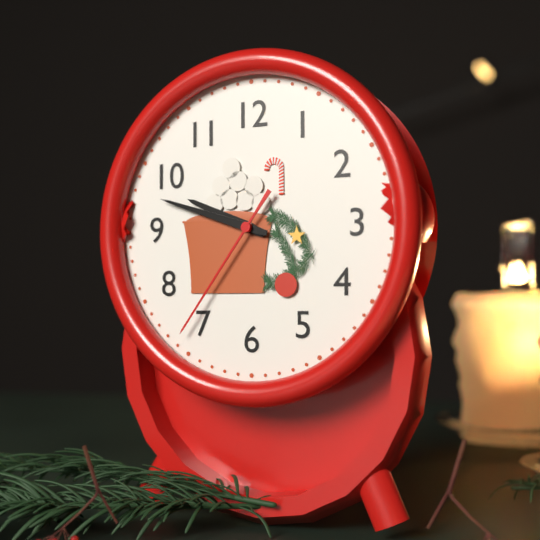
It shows 9h48m36s
